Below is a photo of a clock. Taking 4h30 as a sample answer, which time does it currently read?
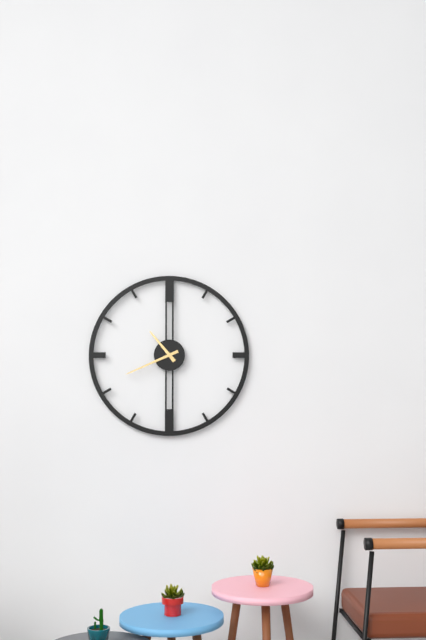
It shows 10h41
